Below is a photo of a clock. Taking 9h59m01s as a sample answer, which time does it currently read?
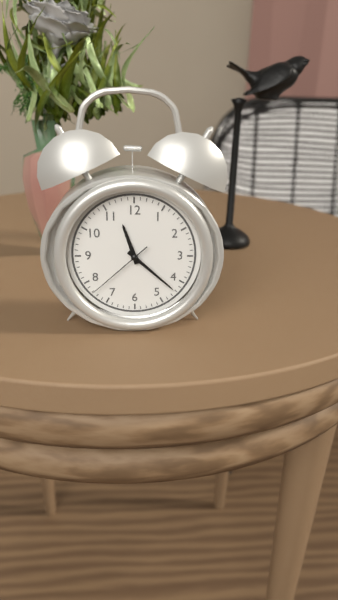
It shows 11h22m38s
